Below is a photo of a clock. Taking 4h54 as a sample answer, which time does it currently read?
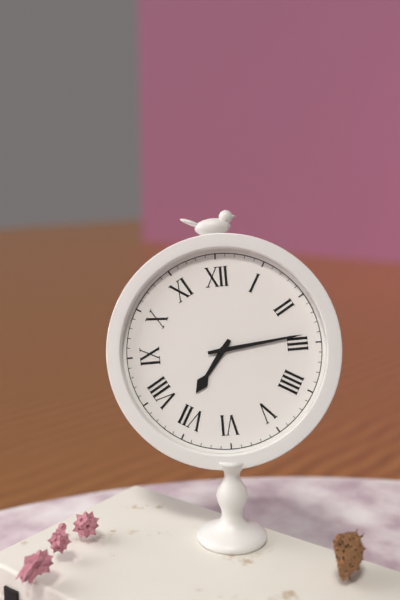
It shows 7h14
